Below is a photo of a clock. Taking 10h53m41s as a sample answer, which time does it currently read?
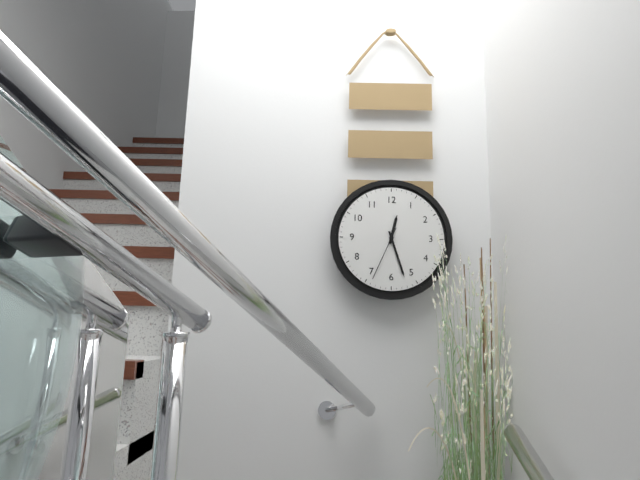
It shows 12h27m34s
